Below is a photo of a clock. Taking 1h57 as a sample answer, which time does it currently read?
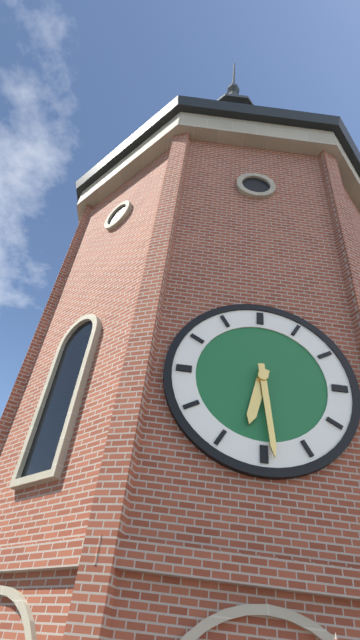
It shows 6h29
